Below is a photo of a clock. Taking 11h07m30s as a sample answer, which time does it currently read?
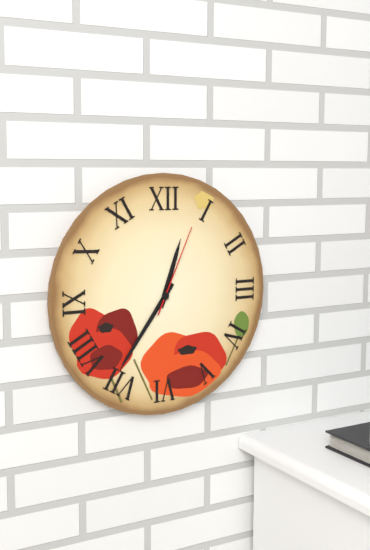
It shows 12h36m04s
